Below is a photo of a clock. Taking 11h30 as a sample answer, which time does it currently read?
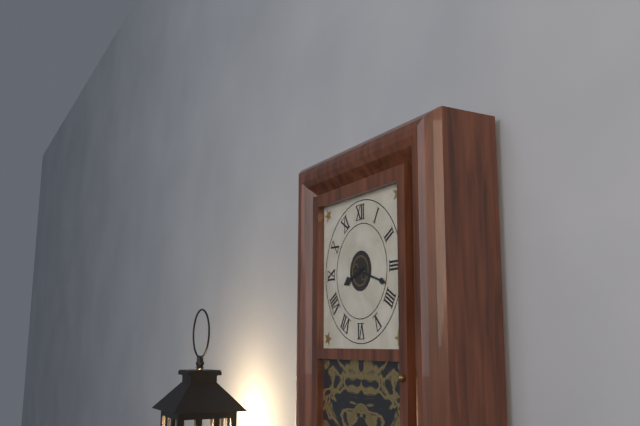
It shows 8h18
